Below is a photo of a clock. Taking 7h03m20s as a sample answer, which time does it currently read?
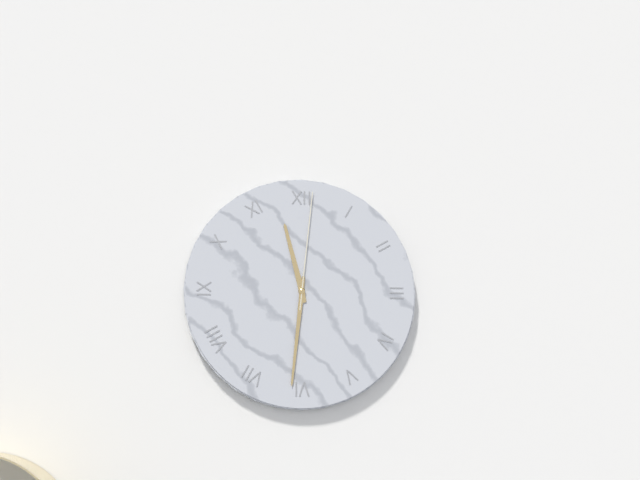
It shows 11h31m01s
